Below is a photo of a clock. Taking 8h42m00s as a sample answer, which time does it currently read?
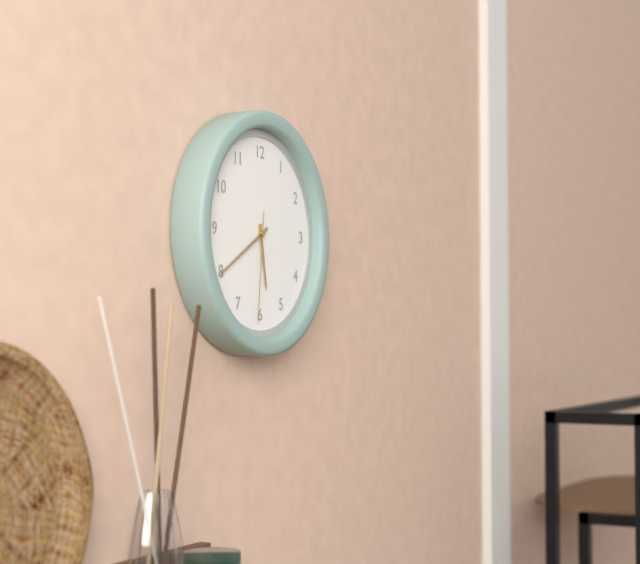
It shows 5h40m31s
